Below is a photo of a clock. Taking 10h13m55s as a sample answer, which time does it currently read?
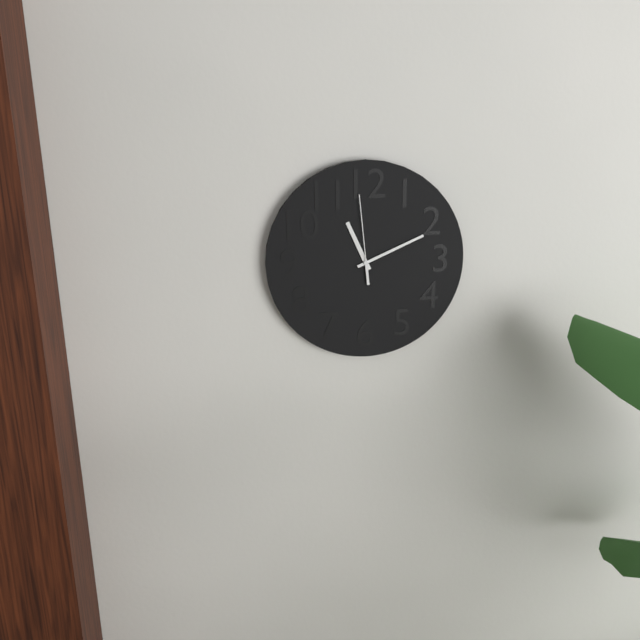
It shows 11h11m59s
